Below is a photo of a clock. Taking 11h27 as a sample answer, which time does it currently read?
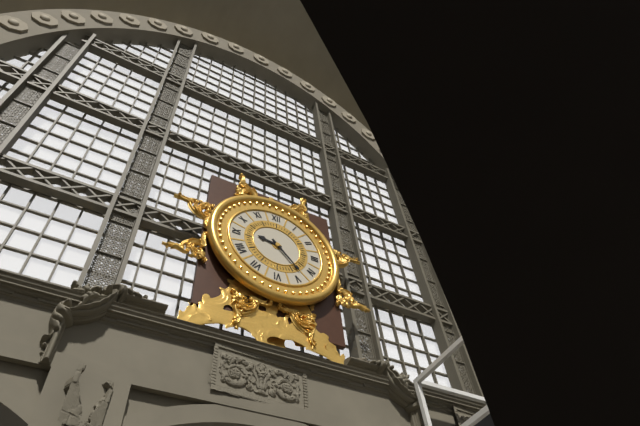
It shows 9h23
